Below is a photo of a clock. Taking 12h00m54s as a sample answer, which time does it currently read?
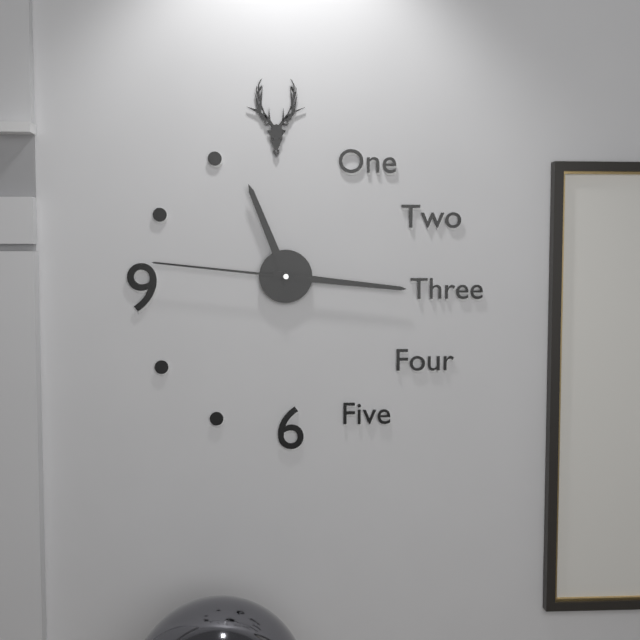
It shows 11h16m46s
